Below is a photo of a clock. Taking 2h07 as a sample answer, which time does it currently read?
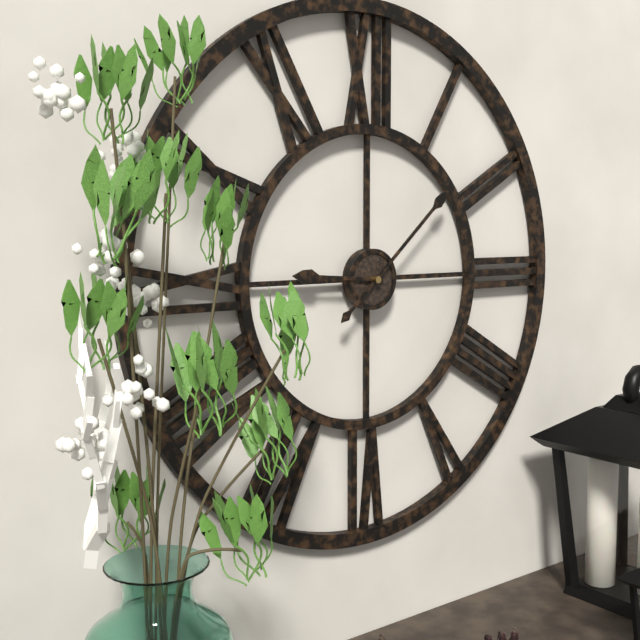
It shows 9h08
